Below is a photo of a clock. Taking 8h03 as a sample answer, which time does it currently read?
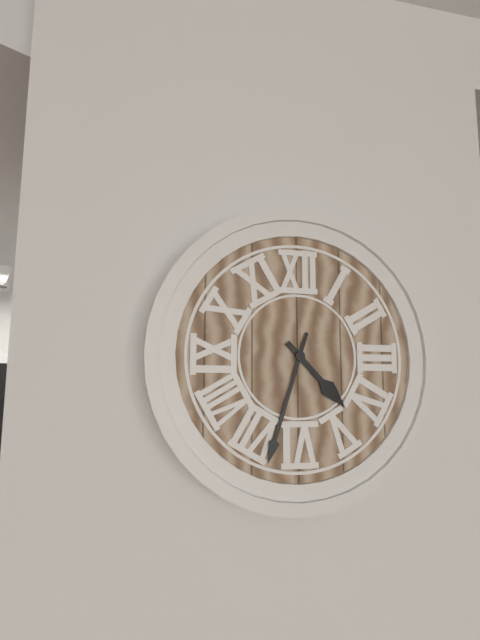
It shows 4h33
